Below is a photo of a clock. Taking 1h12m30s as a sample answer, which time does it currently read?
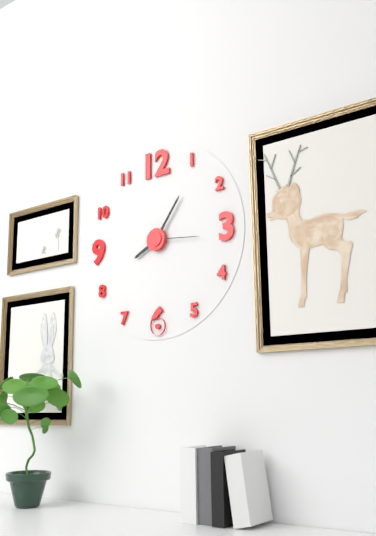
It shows 8h06m16s
